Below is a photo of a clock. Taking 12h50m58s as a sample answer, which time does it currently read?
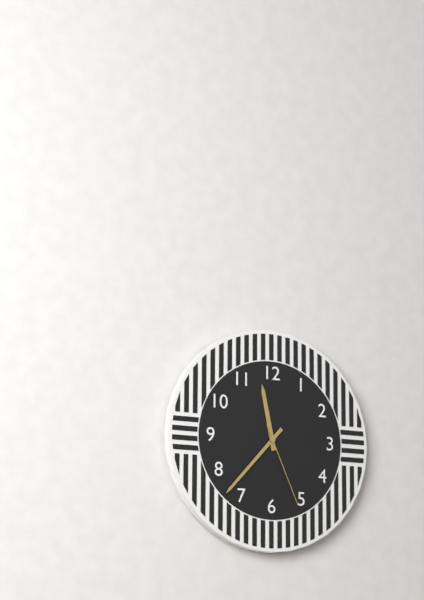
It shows 11h37m26s
